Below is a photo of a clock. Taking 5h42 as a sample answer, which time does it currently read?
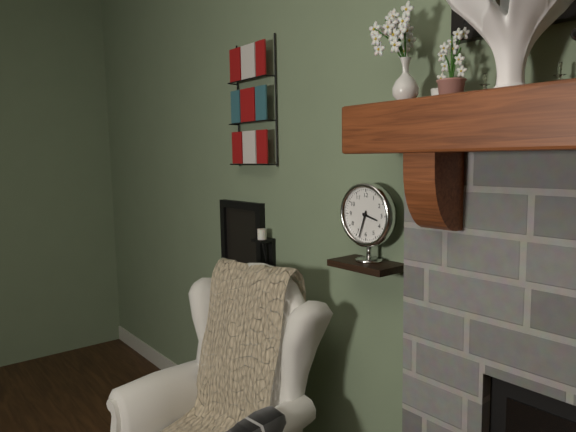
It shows 3h33
